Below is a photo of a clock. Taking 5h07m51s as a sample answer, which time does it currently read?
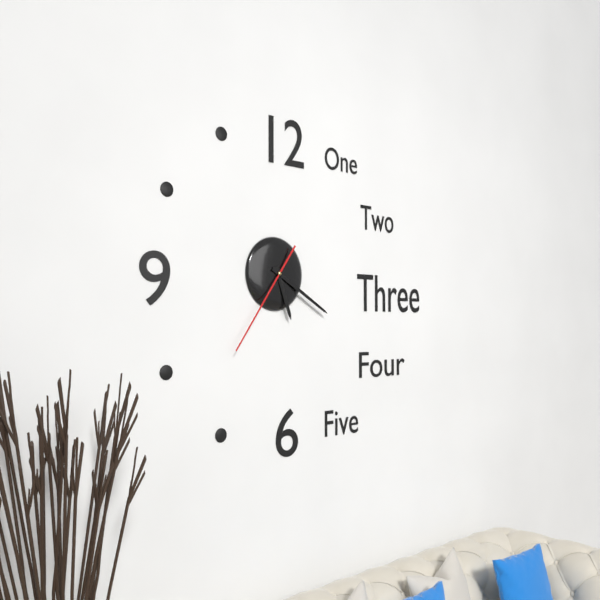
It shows 5h20m36s
